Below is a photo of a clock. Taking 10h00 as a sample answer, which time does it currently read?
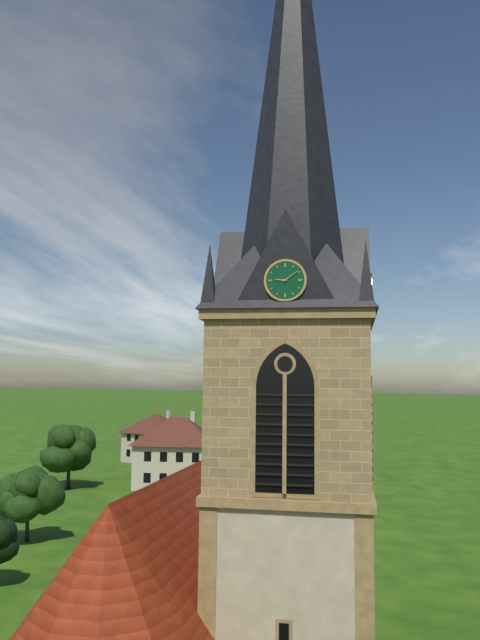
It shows 9h09
